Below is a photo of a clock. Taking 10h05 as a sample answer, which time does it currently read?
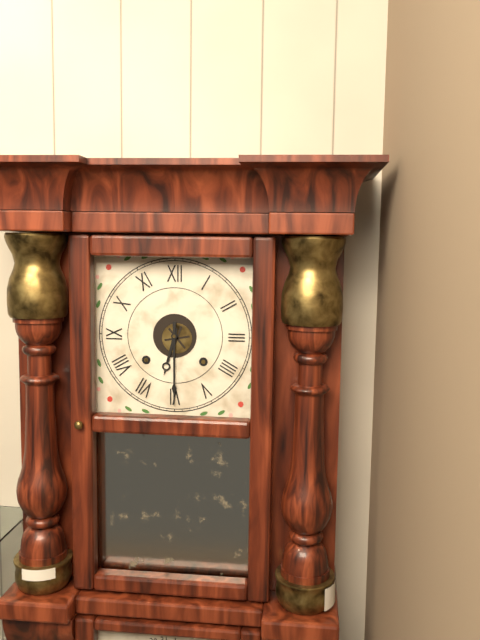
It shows 6h30
